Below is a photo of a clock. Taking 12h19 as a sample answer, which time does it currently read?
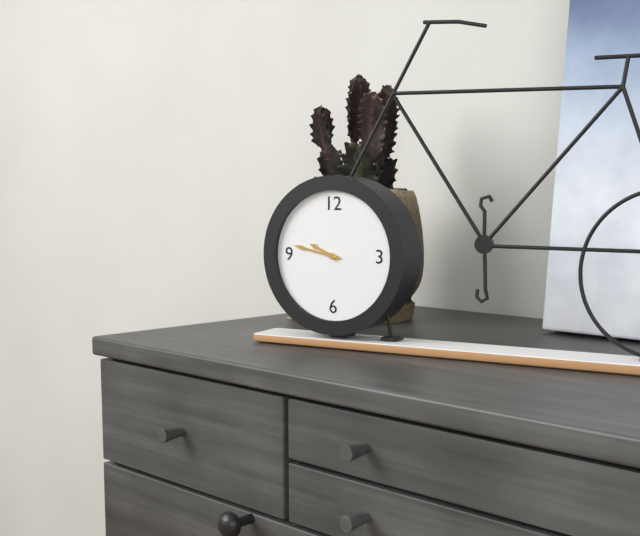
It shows 9h47
